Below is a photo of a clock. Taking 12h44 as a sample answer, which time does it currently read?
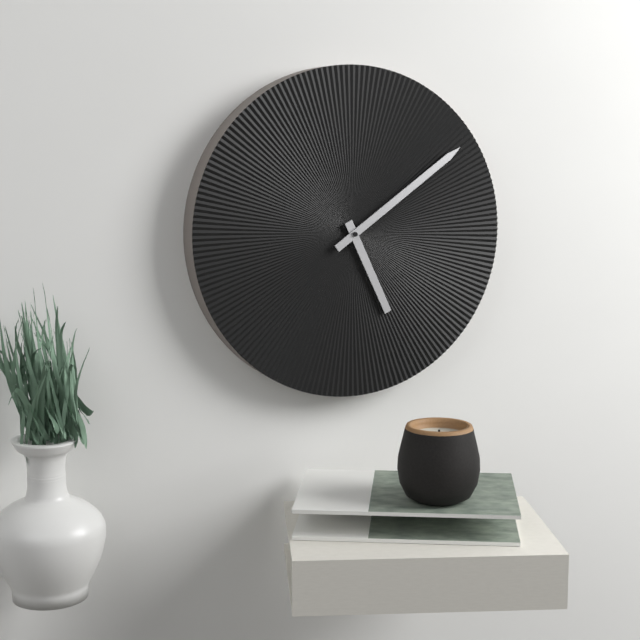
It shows 5h09
